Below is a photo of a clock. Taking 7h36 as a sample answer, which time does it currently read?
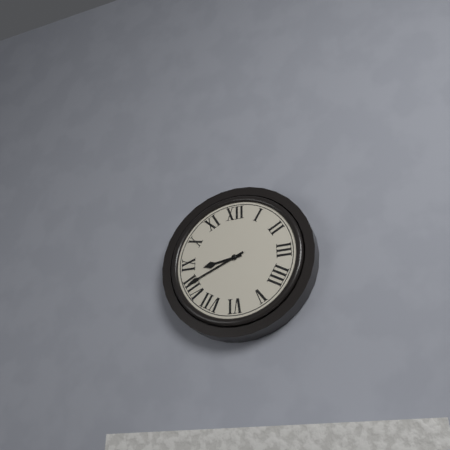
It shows 8h41
